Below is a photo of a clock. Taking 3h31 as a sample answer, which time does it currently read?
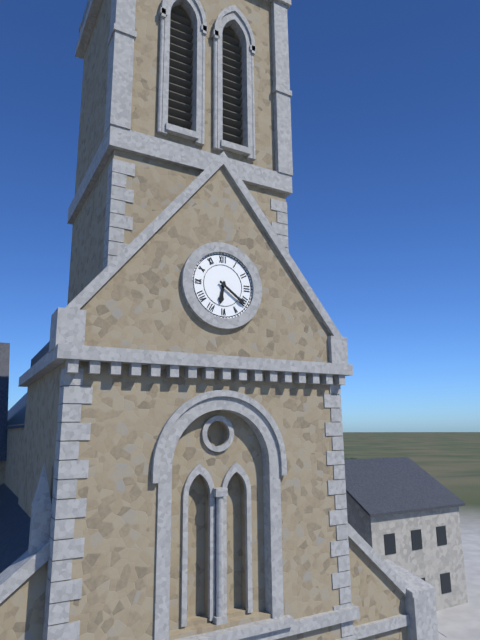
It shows 6h21
